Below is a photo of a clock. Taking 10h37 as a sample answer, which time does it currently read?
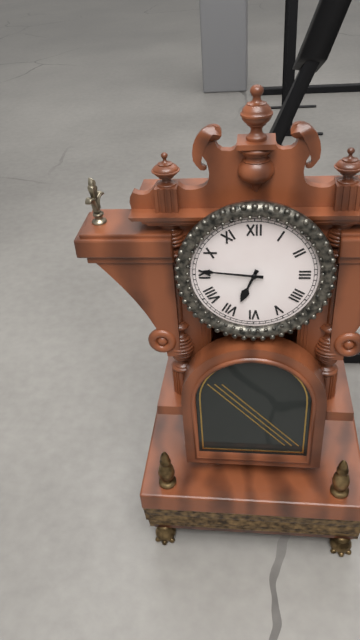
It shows 6h46
